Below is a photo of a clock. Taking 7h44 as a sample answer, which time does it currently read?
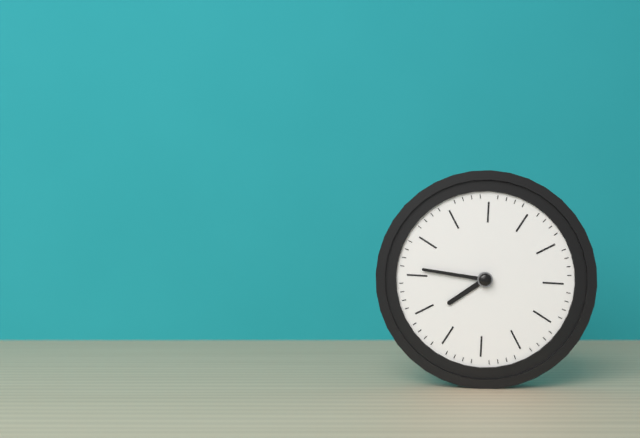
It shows 7h46
